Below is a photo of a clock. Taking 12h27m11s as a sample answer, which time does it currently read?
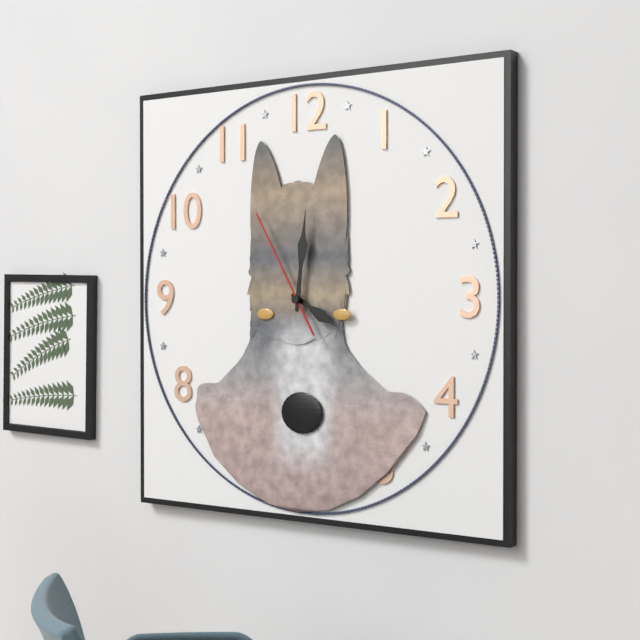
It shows 4h01m55s
